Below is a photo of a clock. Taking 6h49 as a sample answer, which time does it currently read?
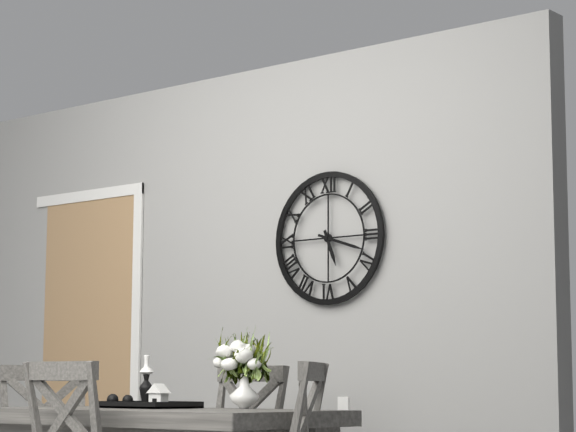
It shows 5h18
